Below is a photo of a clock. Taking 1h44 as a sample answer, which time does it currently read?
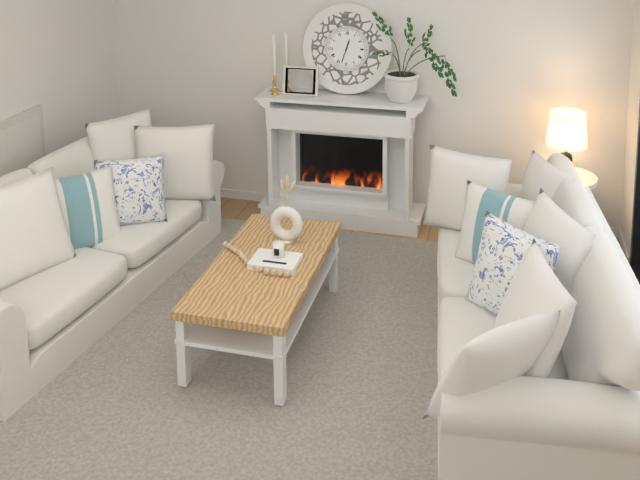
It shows 12h33
